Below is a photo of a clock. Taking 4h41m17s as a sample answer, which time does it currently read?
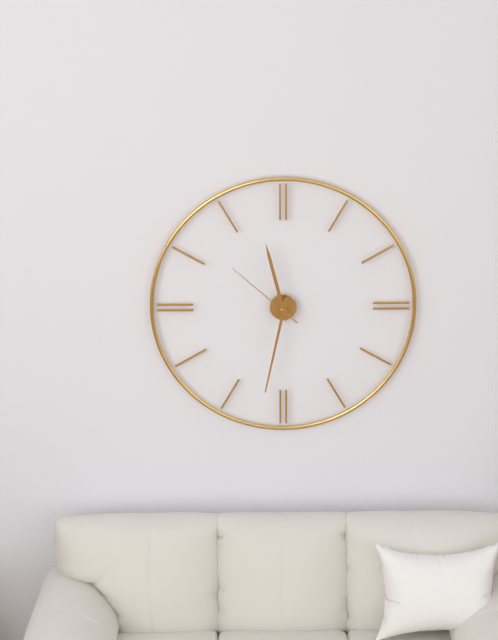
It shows 11h32m52s
